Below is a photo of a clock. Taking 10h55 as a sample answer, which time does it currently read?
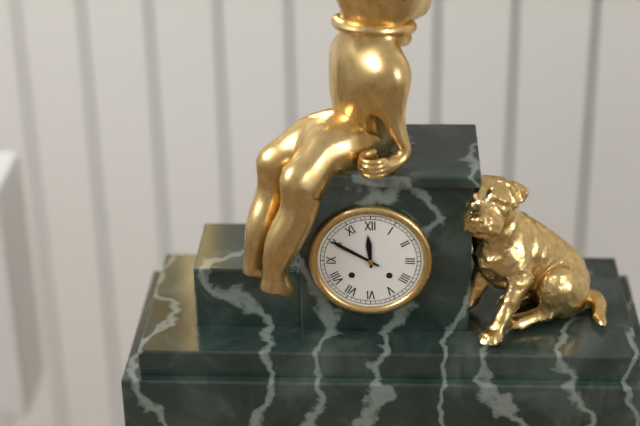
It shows 11h50
